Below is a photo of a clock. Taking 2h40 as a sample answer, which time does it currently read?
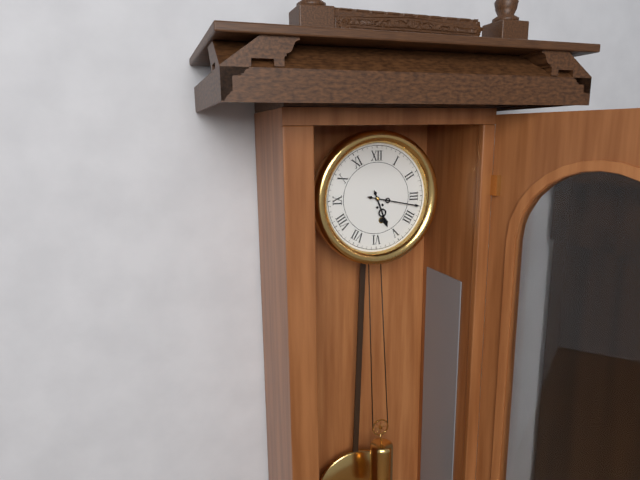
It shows 5h17
